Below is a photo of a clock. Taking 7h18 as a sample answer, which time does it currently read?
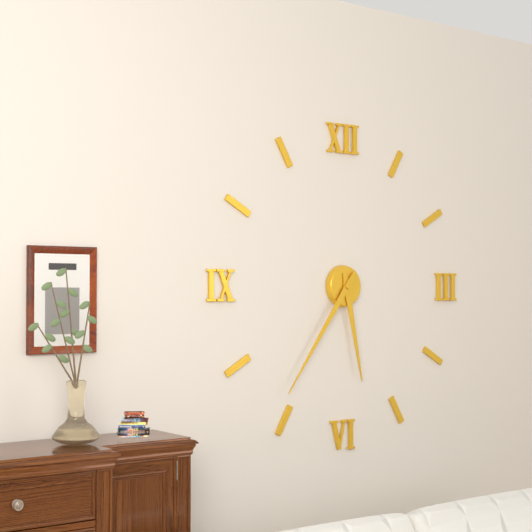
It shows 5h36
